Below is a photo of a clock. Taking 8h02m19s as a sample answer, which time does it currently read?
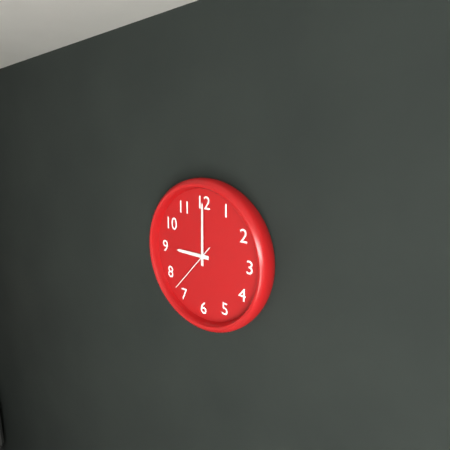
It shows 9h00m37s
